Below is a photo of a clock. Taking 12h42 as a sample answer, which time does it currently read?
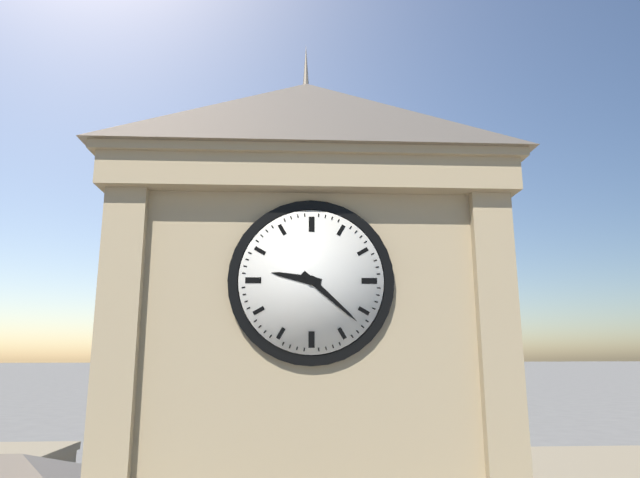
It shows 9h22
